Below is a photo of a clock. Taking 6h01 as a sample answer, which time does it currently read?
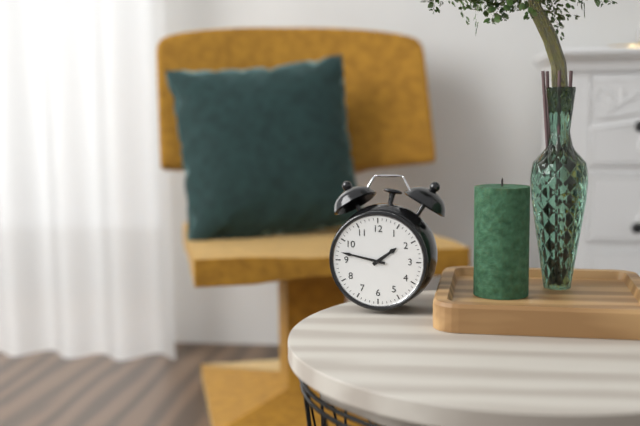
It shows 1h47
